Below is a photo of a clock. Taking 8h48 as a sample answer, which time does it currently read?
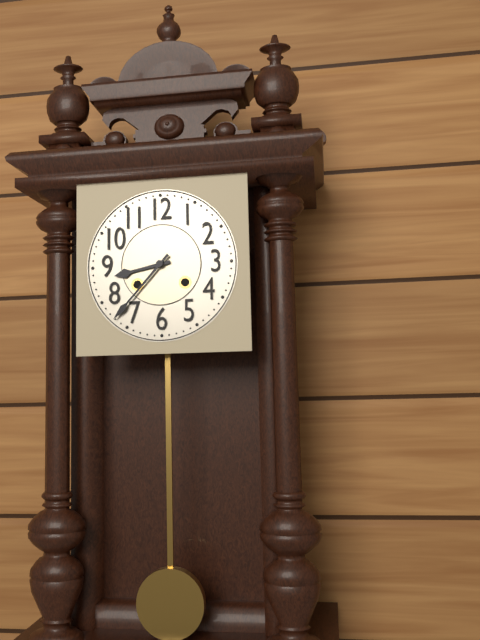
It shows 8h37
